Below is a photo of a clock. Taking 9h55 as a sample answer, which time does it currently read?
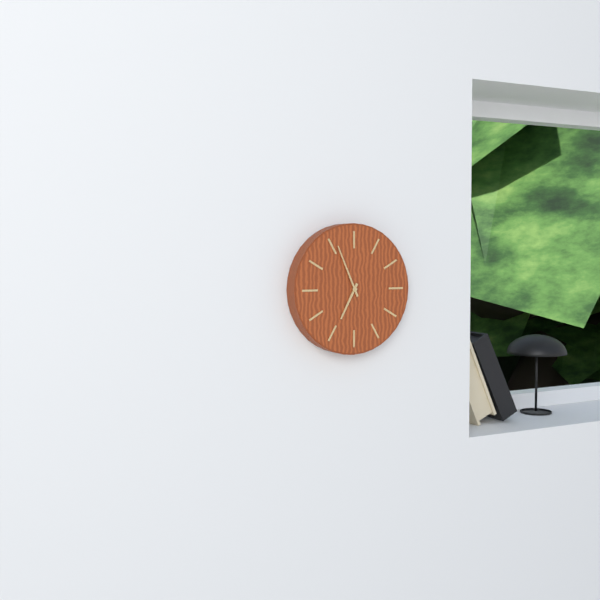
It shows 6h56
